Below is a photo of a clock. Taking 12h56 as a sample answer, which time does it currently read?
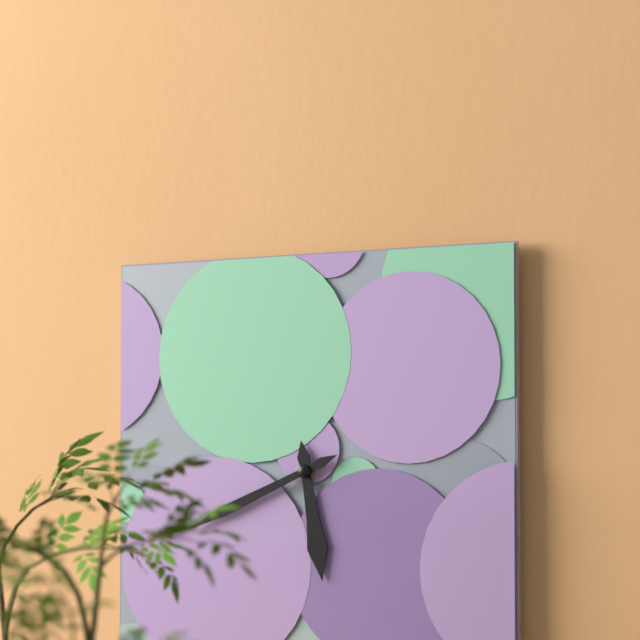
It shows 5h41
